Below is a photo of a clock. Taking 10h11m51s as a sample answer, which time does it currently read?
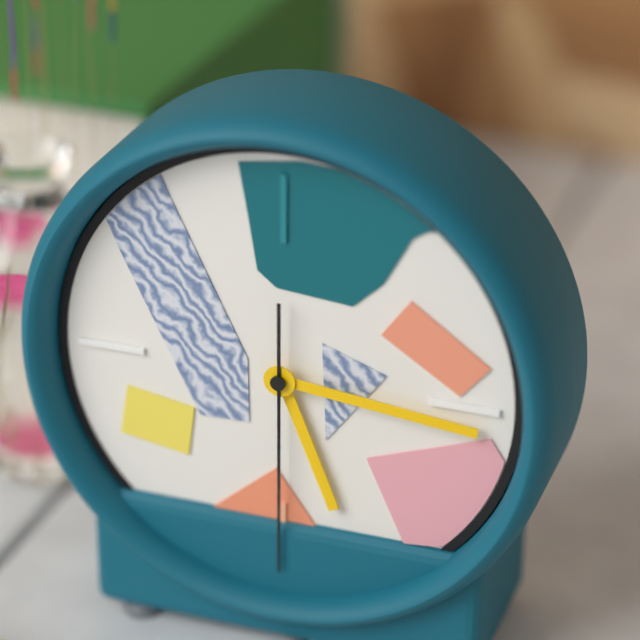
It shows 5h16m30s
